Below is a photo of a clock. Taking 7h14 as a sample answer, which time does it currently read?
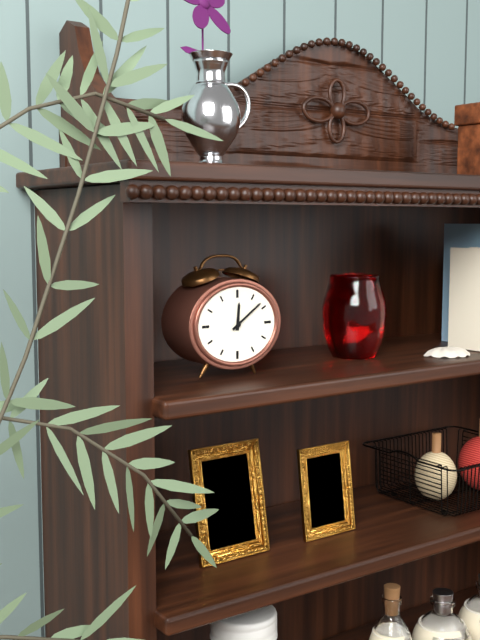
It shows 12h09
